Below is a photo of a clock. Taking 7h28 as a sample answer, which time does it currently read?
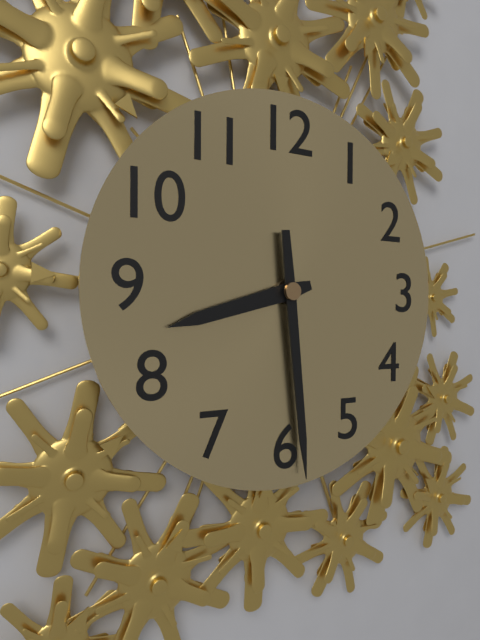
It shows 8h29
